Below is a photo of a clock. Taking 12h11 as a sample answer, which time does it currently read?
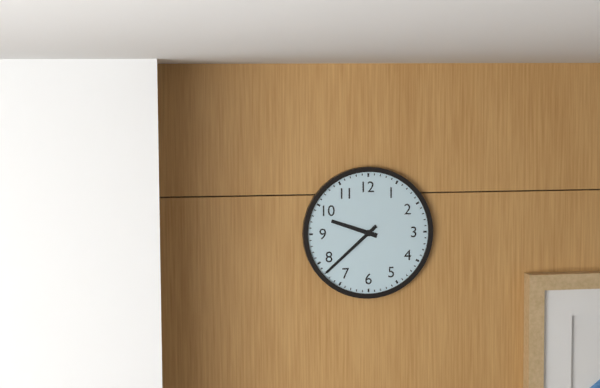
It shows 9h38
